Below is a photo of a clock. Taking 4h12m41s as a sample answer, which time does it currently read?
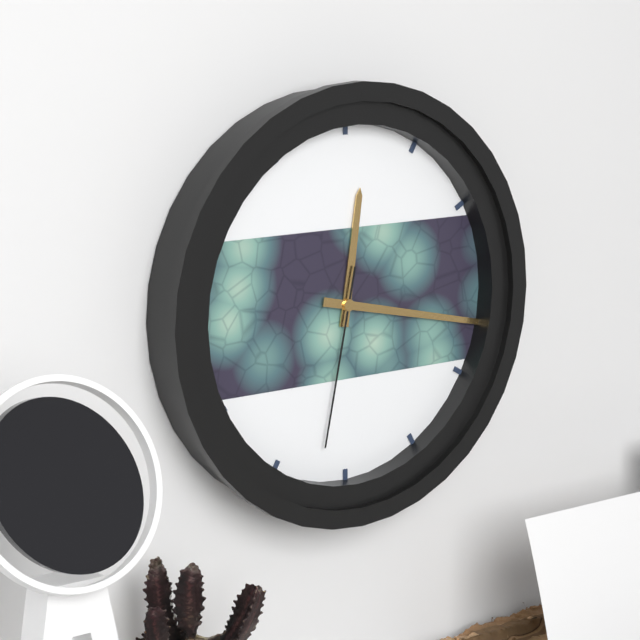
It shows 12h17m32s
